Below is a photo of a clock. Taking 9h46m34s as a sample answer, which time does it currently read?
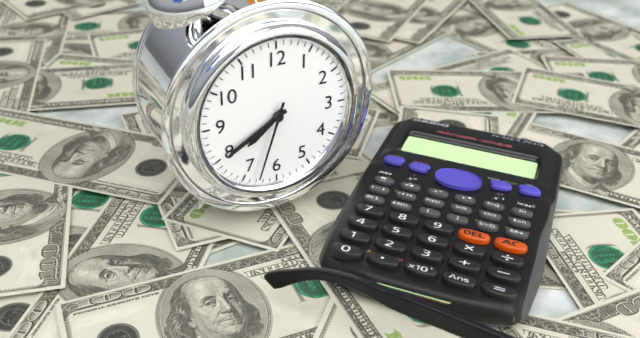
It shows 7h40m33s
